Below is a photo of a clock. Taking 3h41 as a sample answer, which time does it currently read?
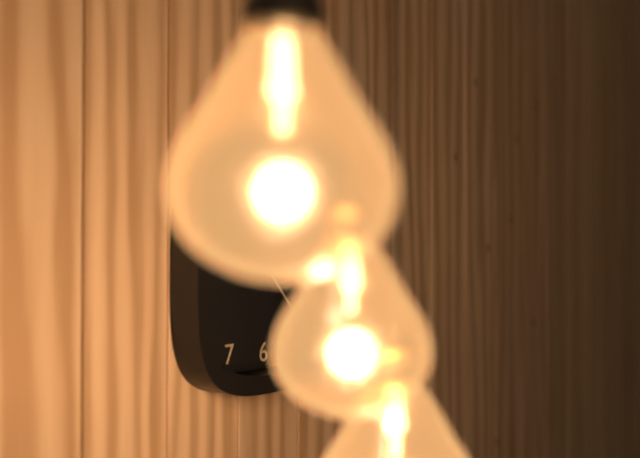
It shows 12h23
